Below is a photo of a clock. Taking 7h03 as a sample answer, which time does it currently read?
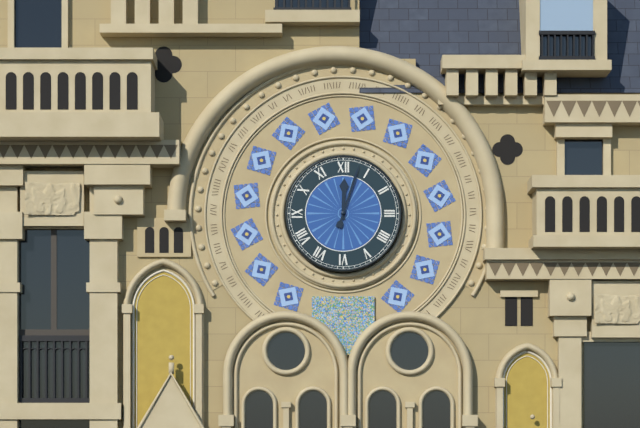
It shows 12h03
